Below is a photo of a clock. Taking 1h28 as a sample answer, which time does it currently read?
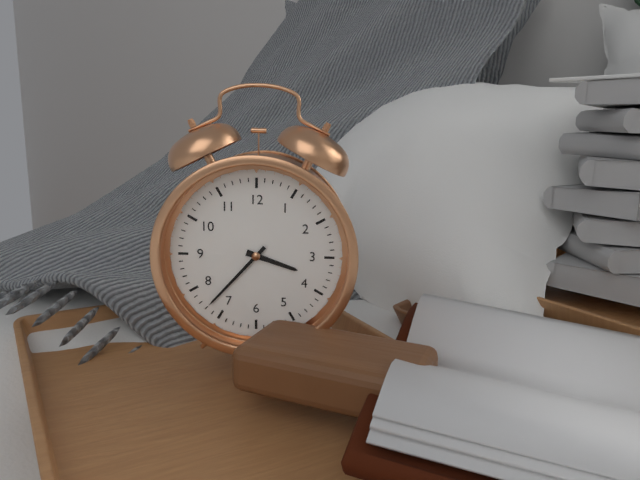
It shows 3h37
